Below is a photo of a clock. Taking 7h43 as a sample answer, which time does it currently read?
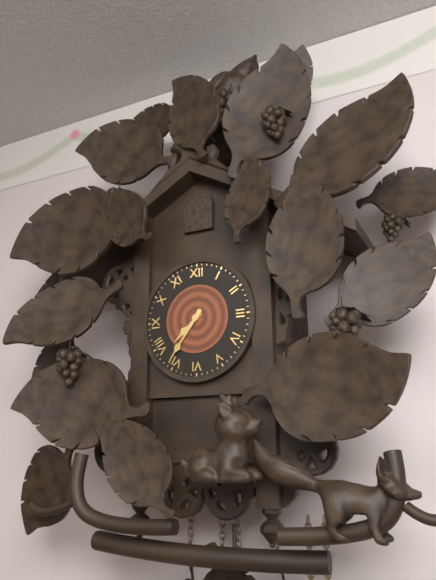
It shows 7h36
